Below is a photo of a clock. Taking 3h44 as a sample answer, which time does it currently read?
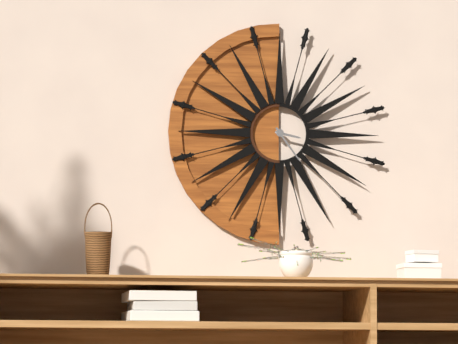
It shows 3h24
